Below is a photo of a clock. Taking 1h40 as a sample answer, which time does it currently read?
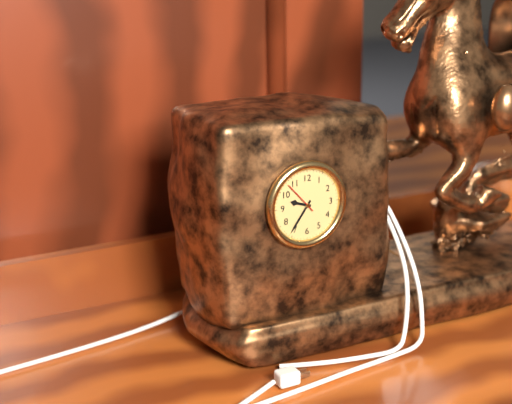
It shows 9h36
